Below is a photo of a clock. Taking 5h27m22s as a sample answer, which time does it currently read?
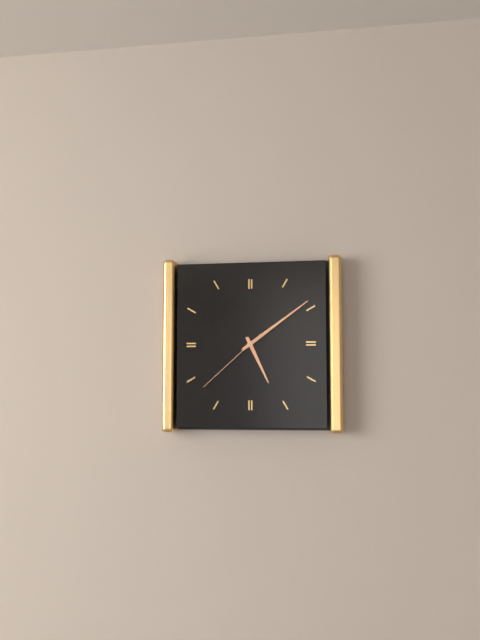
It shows 5h09m38s
